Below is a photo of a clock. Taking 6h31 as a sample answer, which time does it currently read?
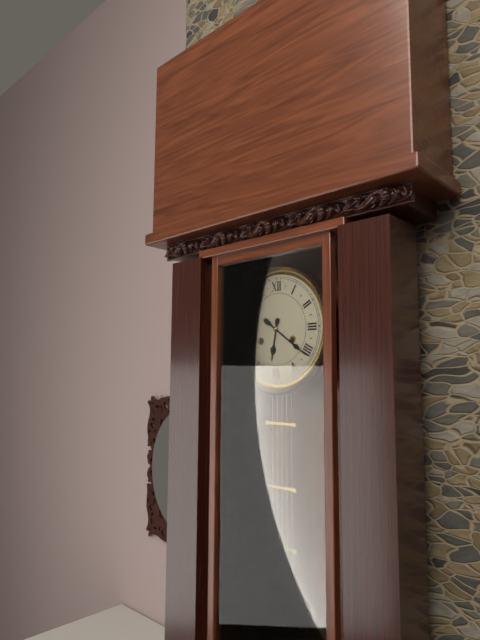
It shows 6h21
